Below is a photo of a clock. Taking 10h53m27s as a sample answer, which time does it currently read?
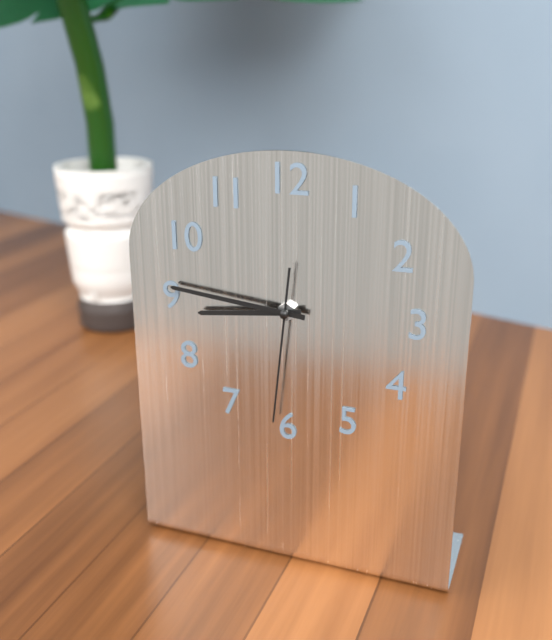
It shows 8h46m31s
